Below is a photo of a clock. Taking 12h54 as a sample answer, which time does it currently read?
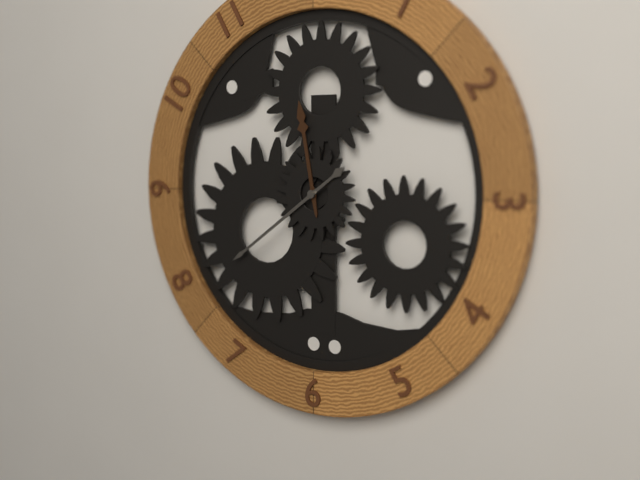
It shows 11h39
